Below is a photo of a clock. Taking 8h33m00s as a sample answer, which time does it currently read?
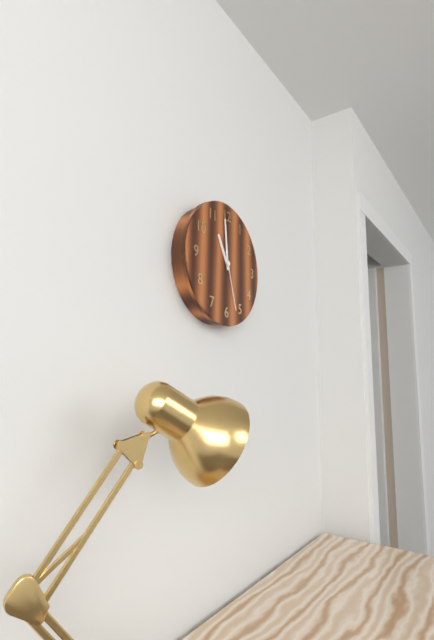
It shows 10h59m27s
